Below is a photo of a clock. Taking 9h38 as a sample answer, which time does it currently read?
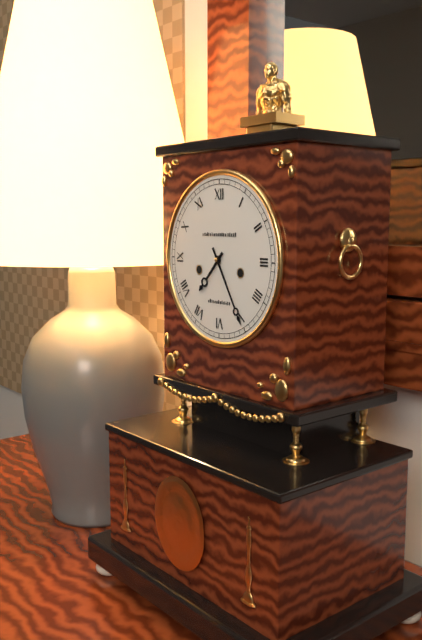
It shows 7h25
